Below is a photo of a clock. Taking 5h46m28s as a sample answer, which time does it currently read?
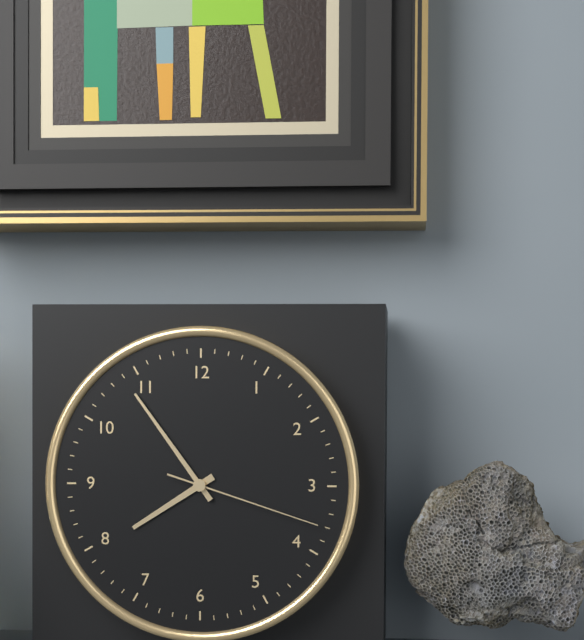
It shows 7h54m18s
